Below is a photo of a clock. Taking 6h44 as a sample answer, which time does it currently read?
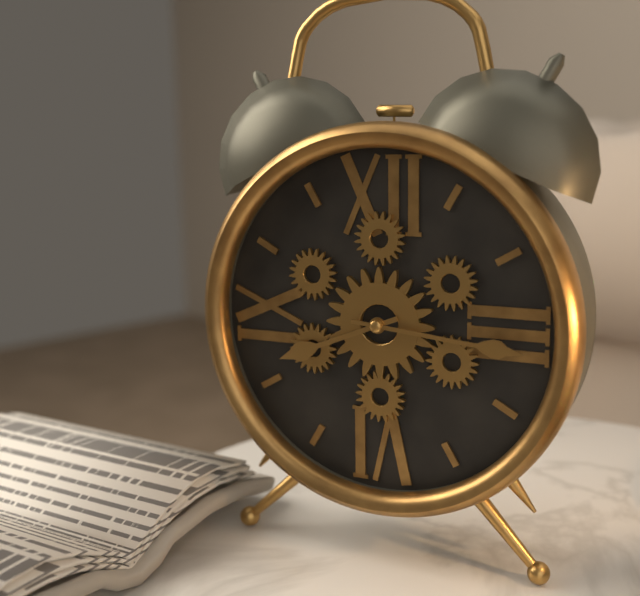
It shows 8h16
